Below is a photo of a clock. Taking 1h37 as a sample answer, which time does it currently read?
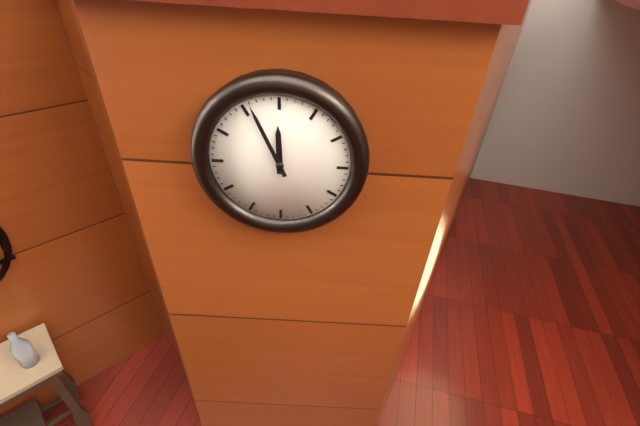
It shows 11h56
